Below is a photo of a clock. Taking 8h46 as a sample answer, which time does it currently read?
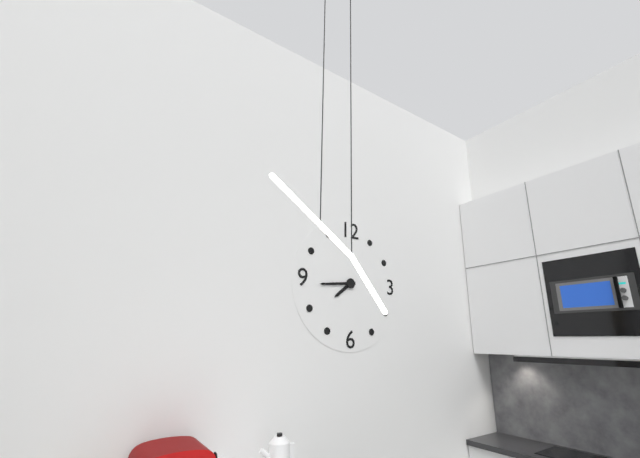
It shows 7h44
